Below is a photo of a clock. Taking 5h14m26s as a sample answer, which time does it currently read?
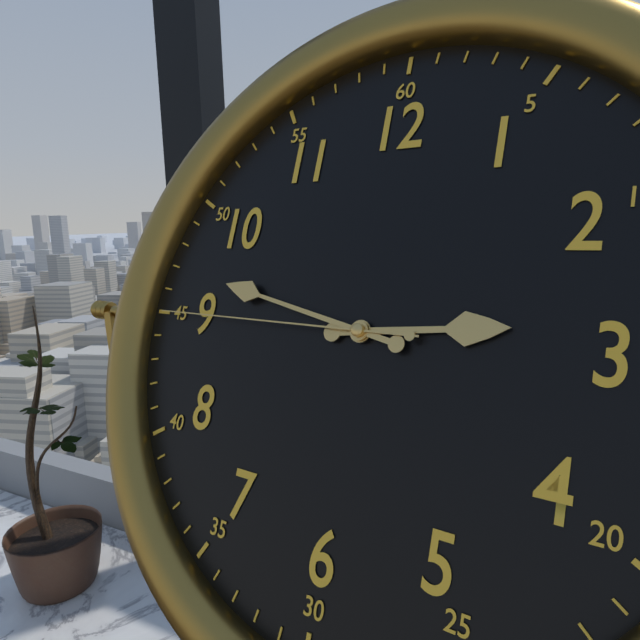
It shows 2h47m45s
